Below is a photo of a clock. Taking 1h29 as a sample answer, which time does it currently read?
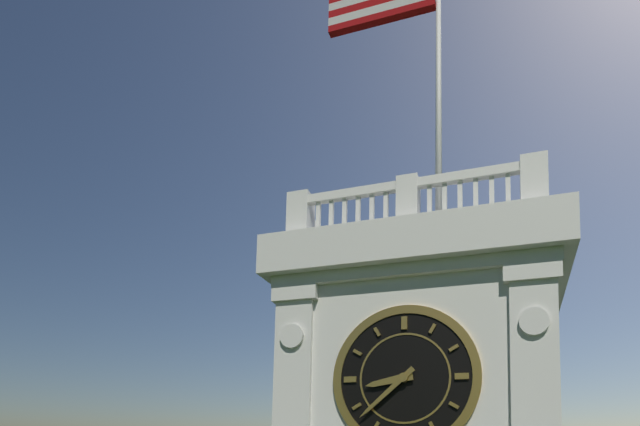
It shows 8h38
